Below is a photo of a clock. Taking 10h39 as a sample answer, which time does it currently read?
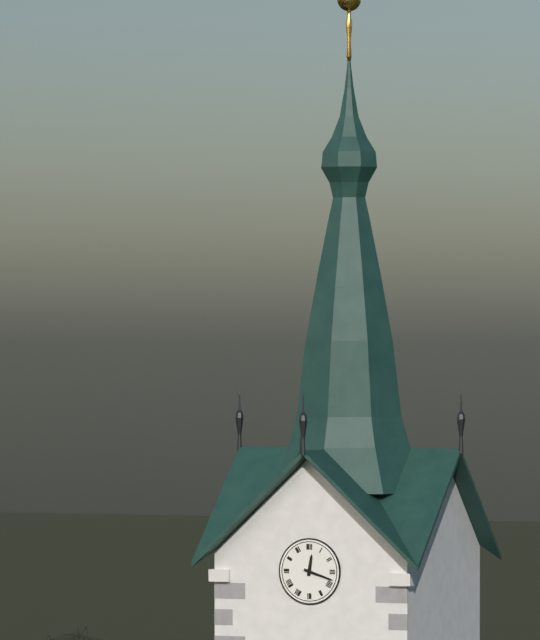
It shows 12h18
